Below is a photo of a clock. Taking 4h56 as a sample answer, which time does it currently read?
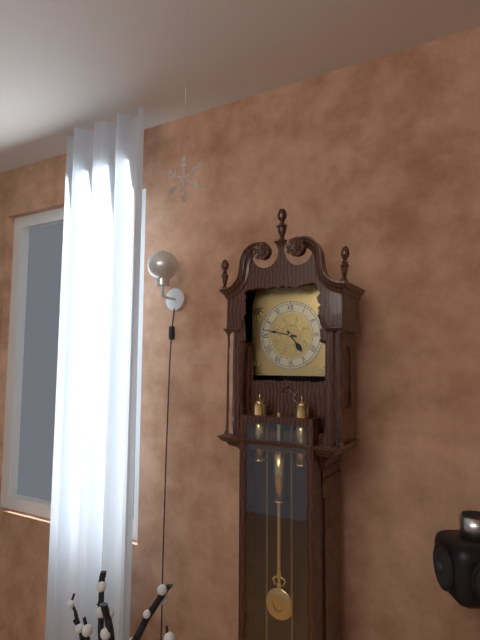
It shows 4h47
